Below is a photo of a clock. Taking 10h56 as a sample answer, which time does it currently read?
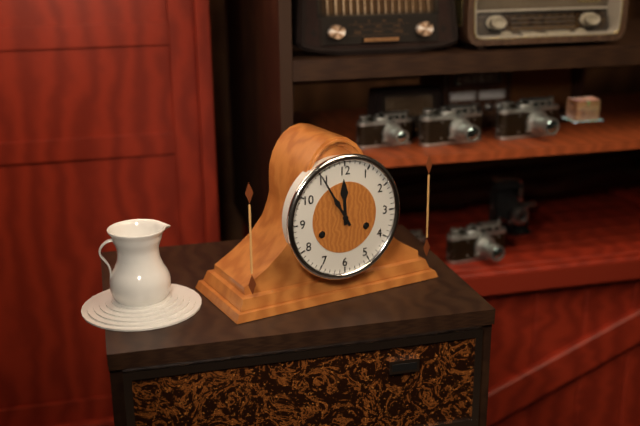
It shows 11h55
